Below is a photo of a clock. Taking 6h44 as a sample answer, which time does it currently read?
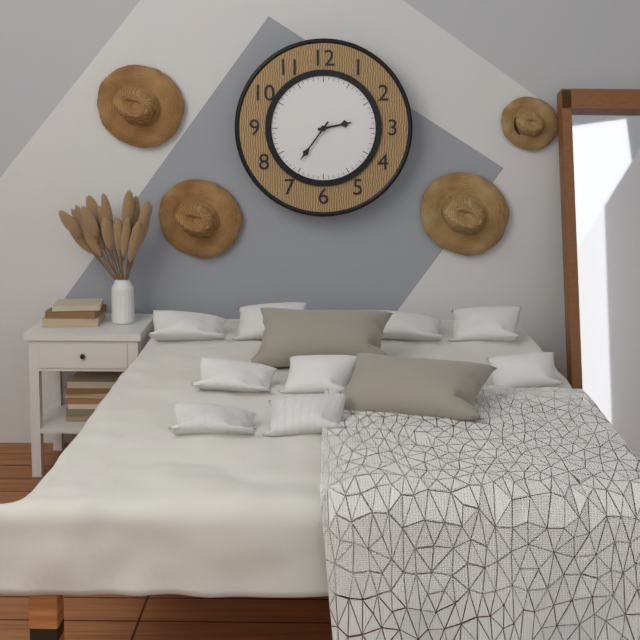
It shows 2h36
